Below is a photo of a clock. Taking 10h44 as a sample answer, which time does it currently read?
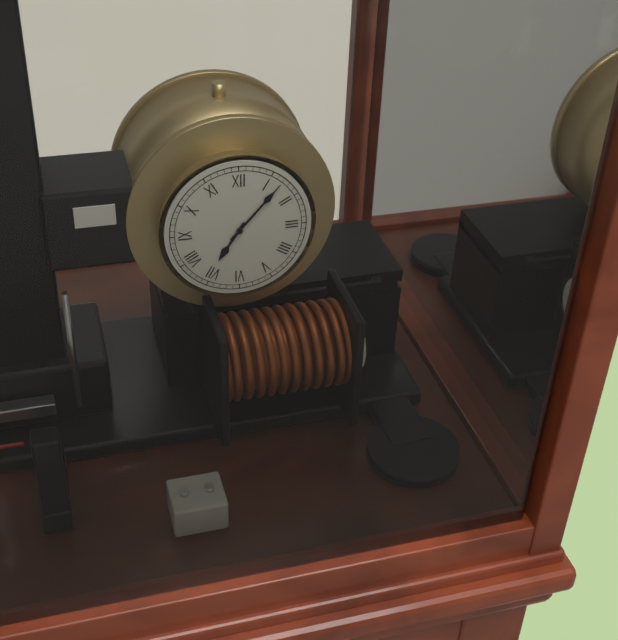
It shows 7h07
